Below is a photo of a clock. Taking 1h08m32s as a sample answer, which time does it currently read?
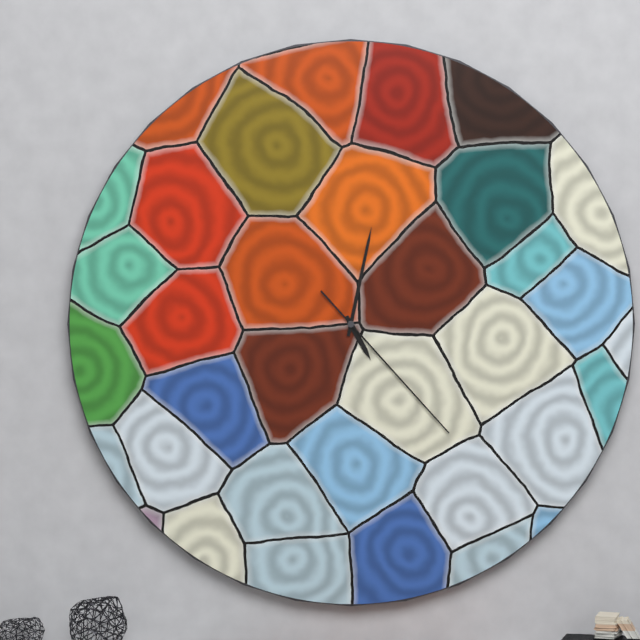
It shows 5h02m23s
